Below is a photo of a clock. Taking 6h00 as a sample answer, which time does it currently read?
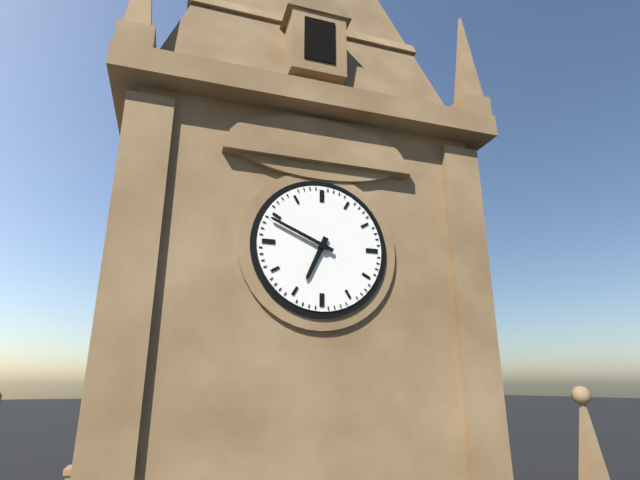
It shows 6h49
